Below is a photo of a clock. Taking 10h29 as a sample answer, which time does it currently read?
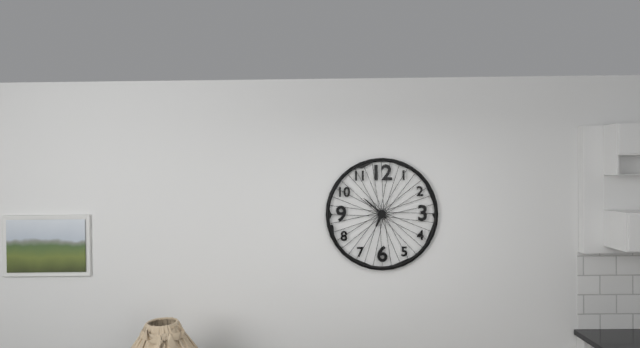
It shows 6h52
